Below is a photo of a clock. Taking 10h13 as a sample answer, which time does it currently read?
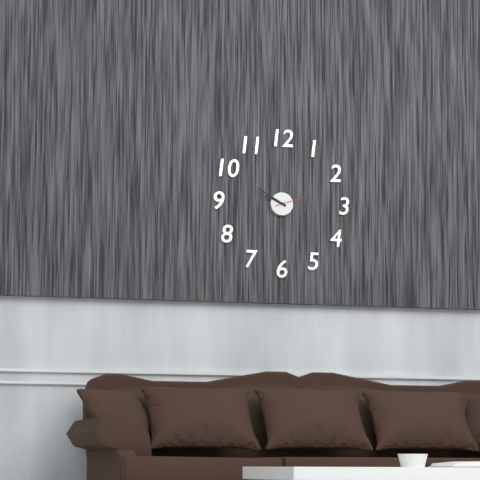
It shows 9h50
